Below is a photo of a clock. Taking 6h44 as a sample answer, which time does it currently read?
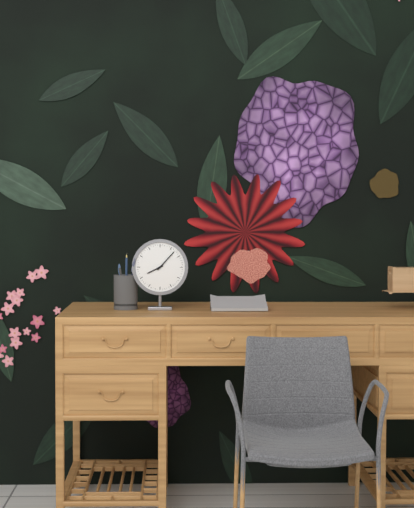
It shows 8h07
